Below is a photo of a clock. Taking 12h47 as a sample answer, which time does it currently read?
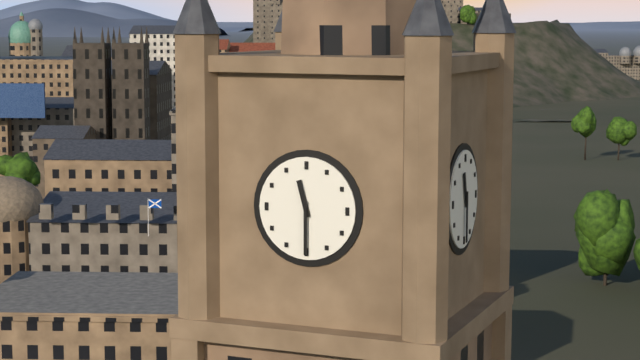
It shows 11h30
